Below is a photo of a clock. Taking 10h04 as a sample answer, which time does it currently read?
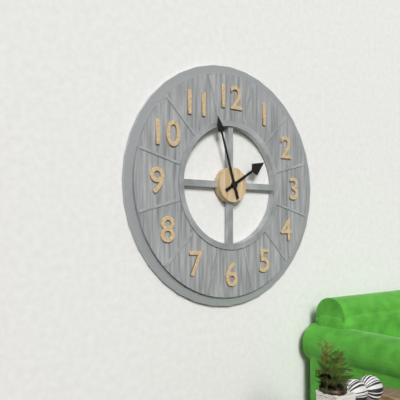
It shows 1h57
